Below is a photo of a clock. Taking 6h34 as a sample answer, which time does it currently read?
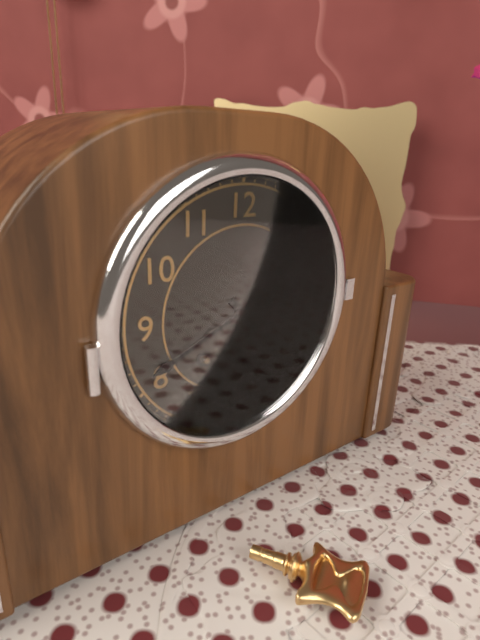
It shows 4h41
